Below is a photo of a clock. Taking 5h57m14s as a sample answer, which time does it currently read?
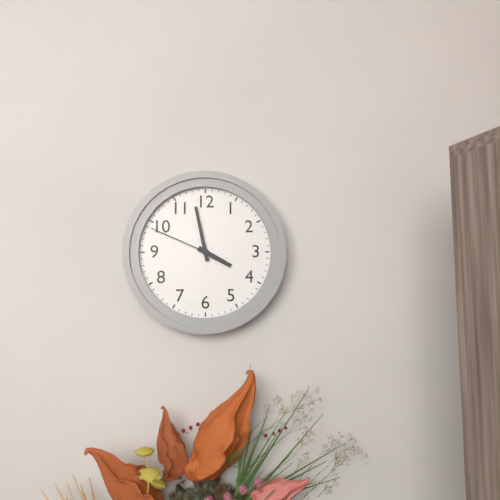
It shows 3h58m49s
